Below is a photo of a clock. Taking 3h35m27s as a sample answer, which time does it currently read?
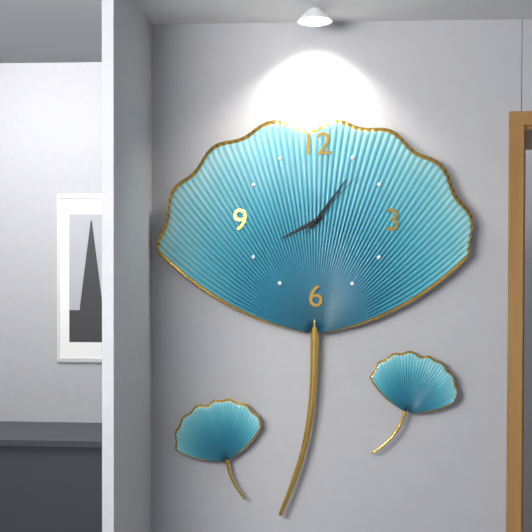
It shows 8h06m07s
